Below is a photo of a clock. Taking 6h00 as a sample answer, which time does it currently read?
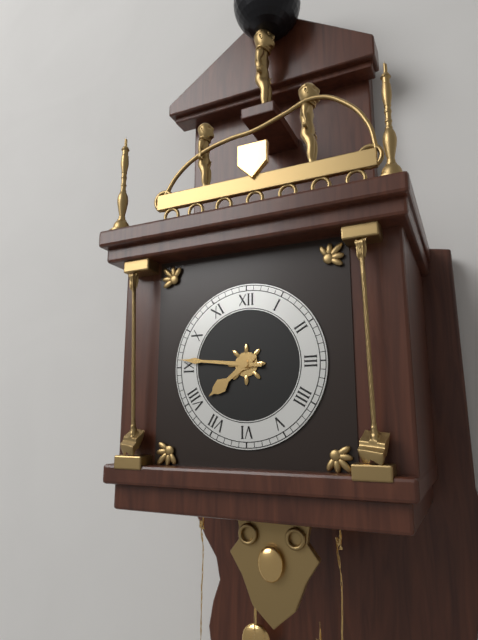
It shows 7h46
